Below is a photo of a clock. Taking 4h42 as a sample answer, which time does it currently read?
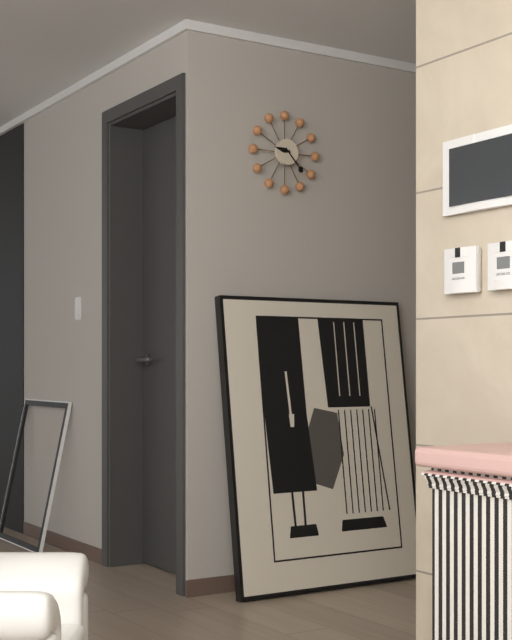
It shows 9h23
